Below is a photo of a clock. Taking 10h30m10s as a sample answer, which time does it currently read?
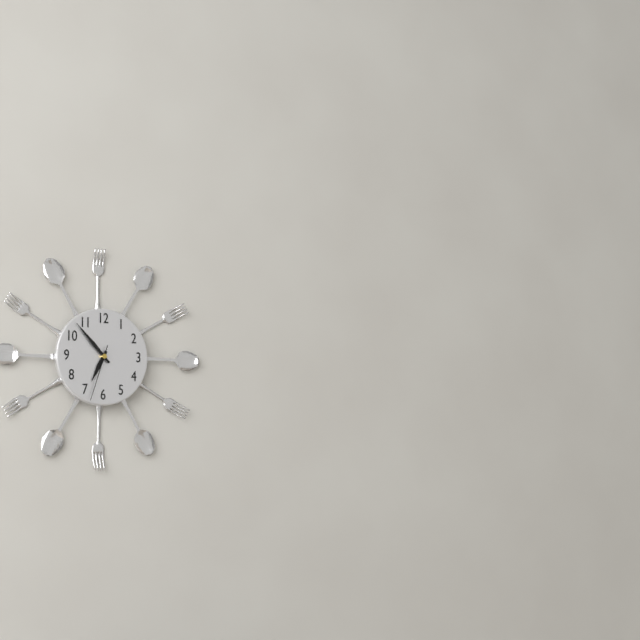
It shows 6h53m33s
